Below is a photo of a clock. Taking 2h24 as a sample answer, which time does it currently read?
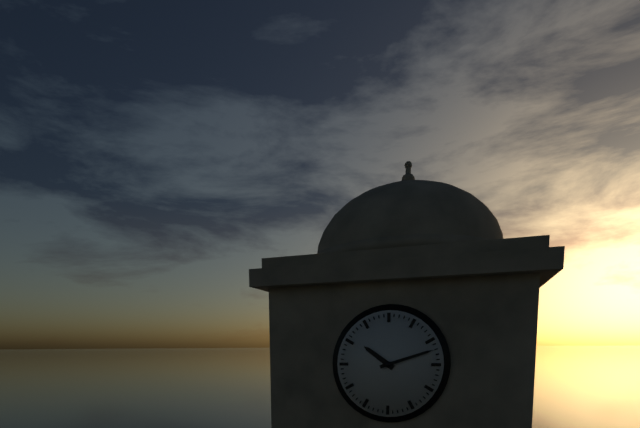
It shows 10h12
